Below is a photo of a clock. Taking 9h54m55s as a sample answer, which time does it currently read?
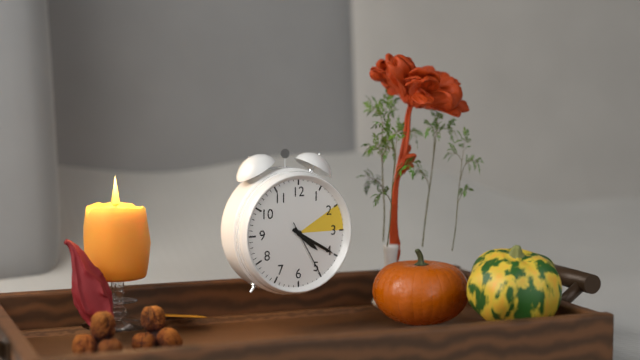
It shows 4h20m25s
